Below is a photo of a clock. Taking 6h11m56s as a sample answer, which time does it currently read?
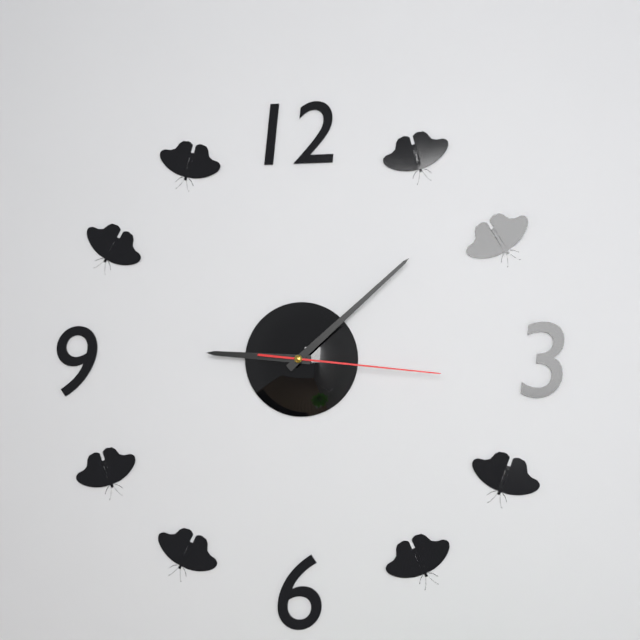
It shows 9h08m16s
